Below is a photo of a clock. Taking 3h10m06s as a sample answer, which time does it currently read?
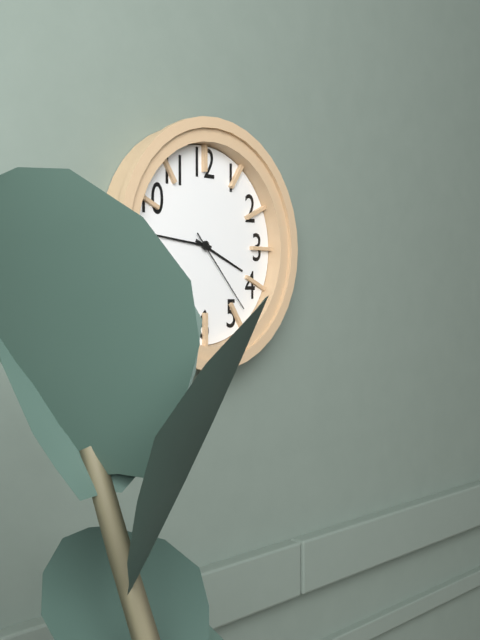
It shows 3h46m23s
